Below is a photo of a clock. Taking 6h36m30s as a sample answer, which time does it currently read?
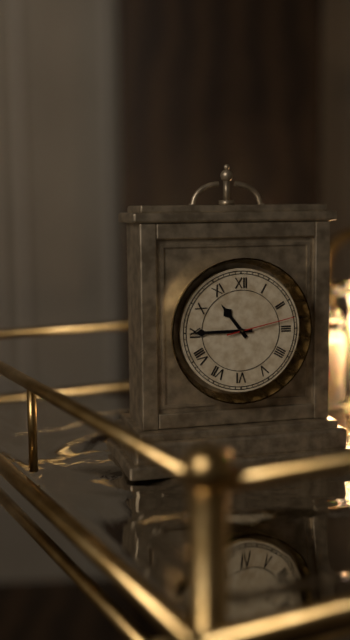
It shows 10h45m13s
